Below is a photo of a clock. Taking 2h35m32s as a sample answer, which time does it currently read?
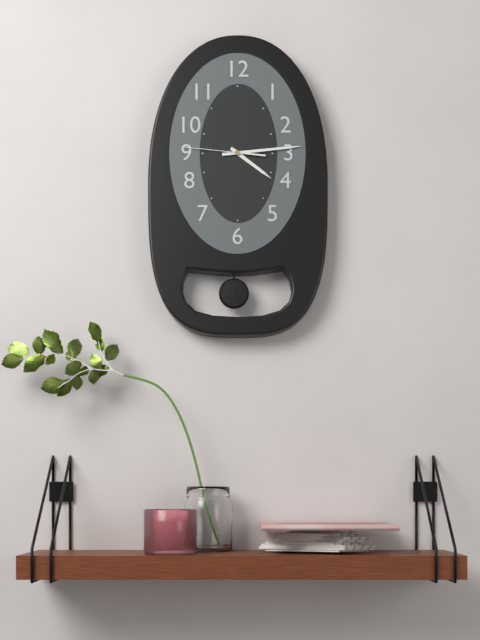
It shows 4h14m46s
